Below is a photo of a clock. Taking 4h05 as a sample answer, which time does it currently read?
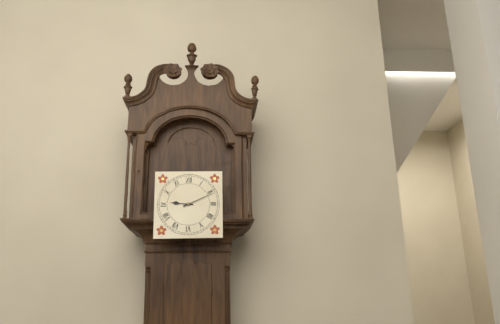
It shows 9h11
